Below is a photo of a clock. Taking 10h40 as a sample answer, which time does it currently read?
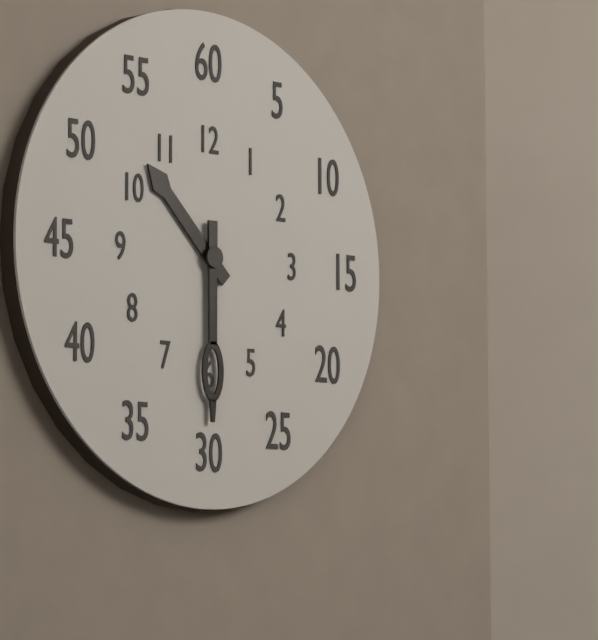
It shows 10h30
